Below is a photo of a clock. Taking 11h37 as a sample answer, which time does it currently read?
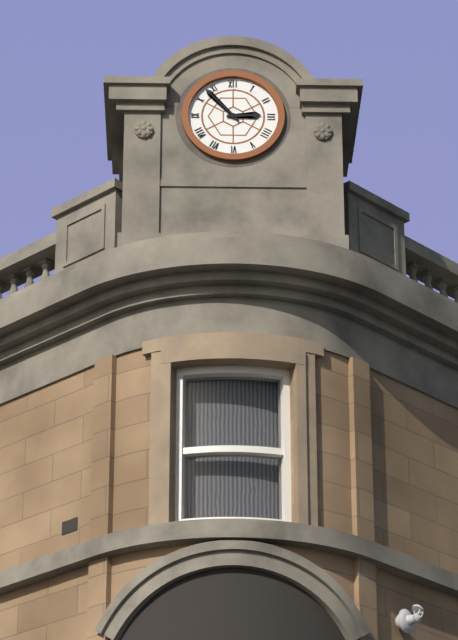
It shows 2h53
